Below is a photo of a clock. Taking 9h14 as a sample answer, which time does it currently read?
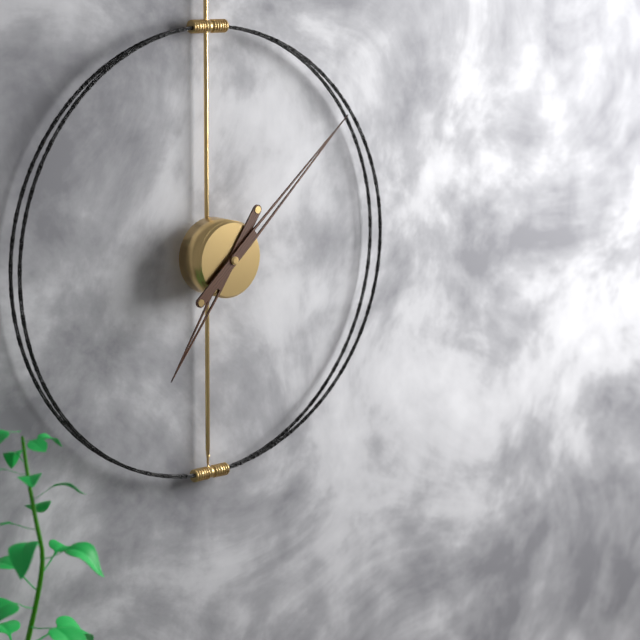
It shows 7h08
